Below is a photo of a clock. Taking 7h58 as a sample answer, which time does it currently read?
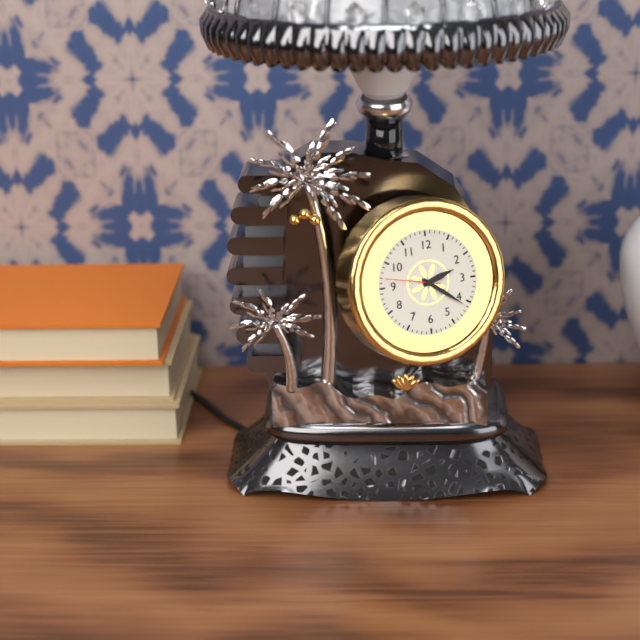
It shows 2h21
